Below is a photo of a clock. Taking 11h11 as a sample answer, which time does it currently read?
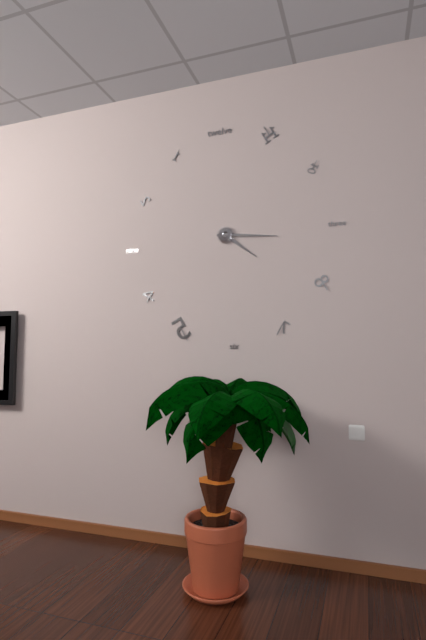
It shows 4h16
